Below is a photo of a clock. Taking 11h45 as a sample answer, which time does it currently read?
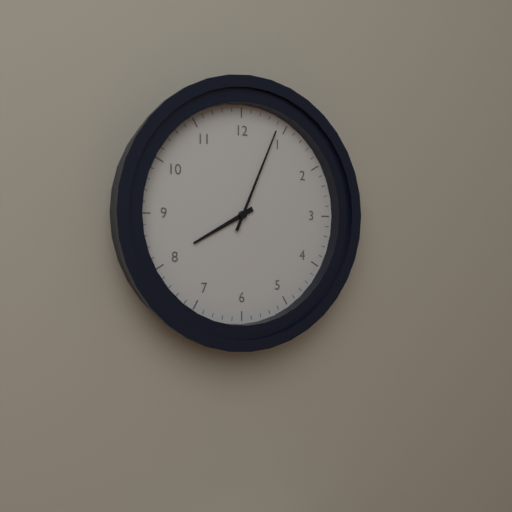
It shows 8h04
